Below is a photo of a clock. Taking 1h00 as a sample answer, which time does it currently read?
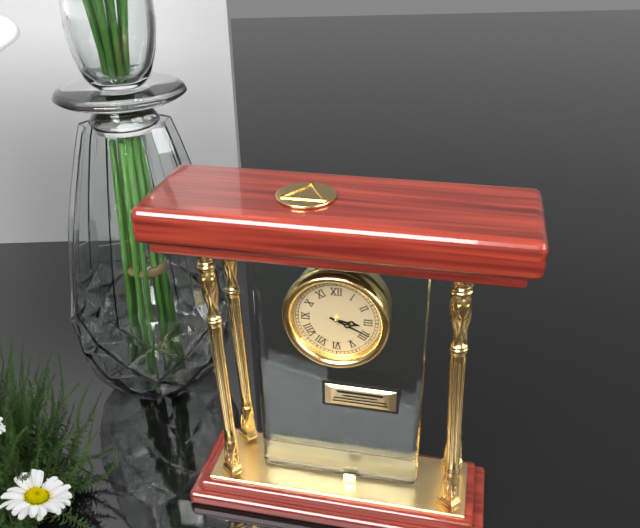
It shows 3h19
